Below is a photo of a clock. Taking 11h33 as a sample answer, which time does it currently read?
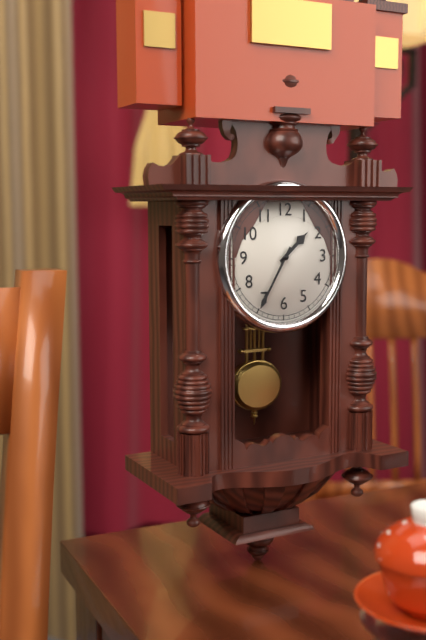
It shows 1h35
